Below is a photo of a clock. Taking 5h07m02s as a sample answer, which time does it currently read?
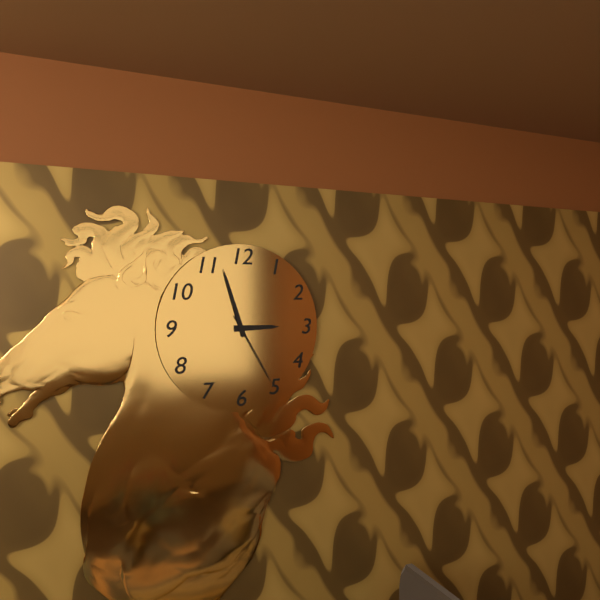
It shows 2h57m25s
